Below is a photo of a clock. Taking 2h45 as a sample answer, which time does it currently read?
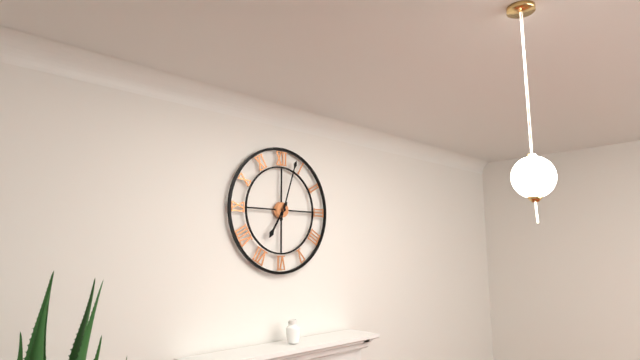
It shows 7h03
